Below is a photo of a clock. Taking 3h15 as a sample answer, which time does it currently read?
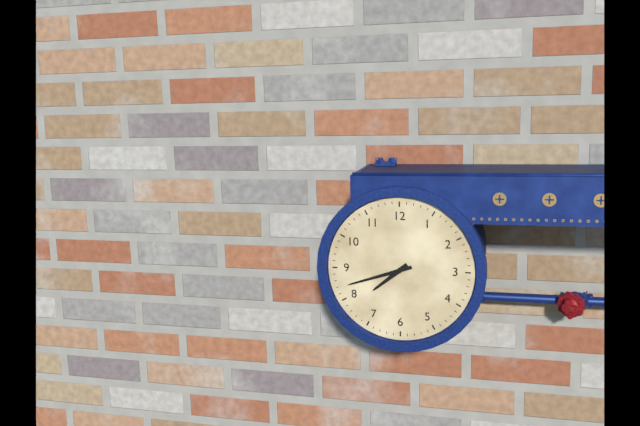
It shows 7h42
